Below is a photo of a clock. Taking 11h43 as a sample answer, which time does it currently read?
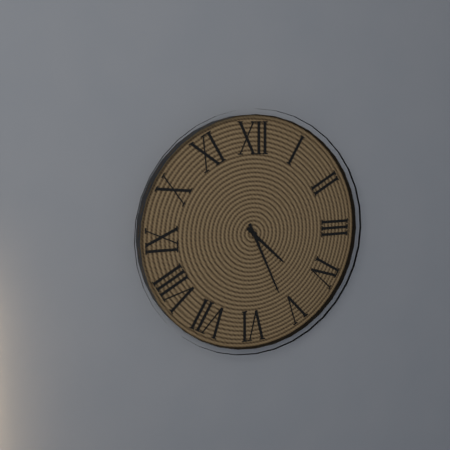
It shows 4h26
